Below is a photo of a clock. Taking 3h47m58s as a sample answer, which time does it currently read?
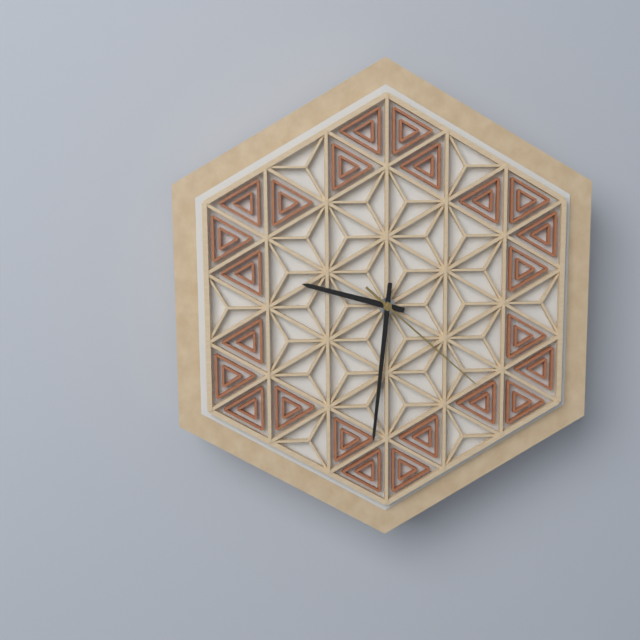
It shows 9h31m22s
